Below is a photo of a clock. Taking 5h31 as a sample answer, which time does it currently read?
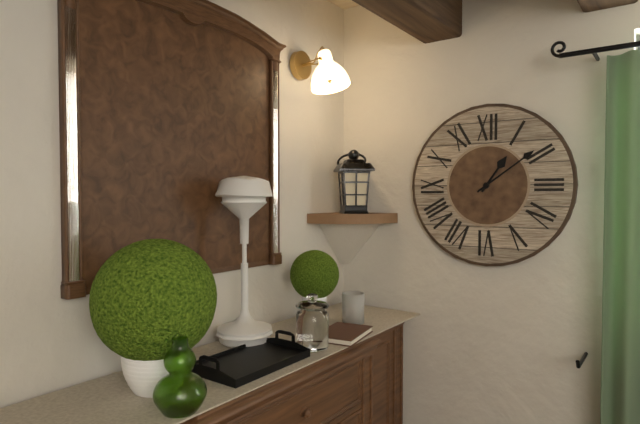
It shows 1h09
